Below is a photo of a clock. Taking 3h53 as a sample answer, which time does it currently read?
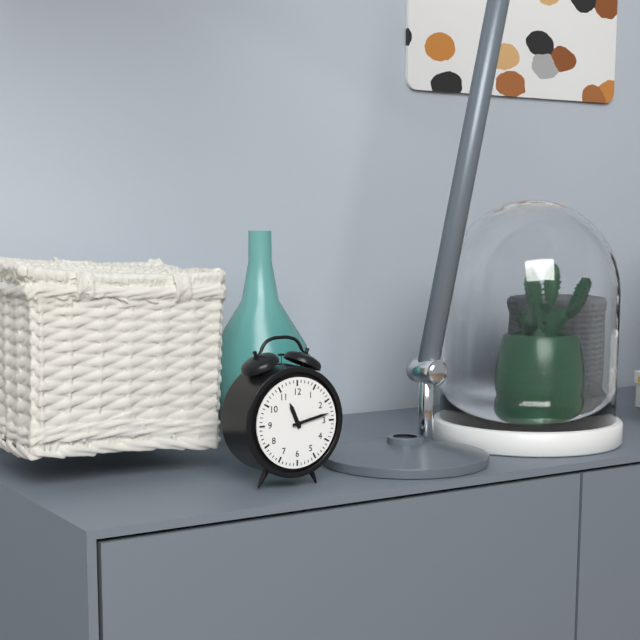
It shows 11h13
